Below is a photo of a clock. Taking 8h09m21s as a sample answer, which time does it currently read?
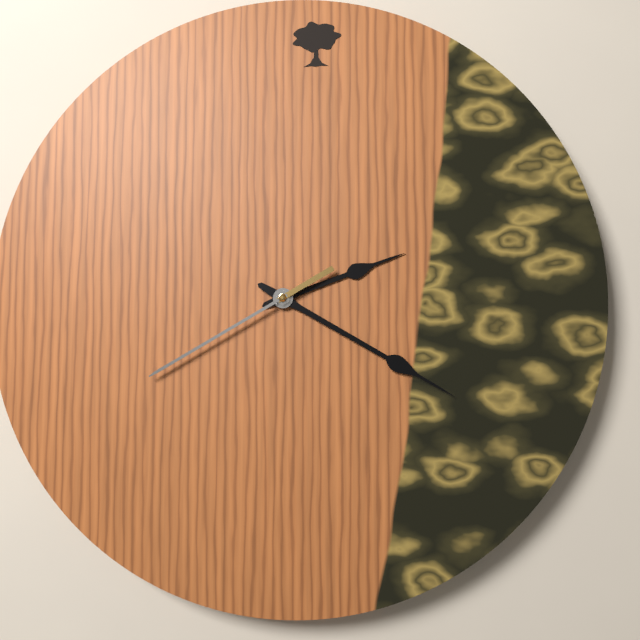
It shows 2h20m40s
